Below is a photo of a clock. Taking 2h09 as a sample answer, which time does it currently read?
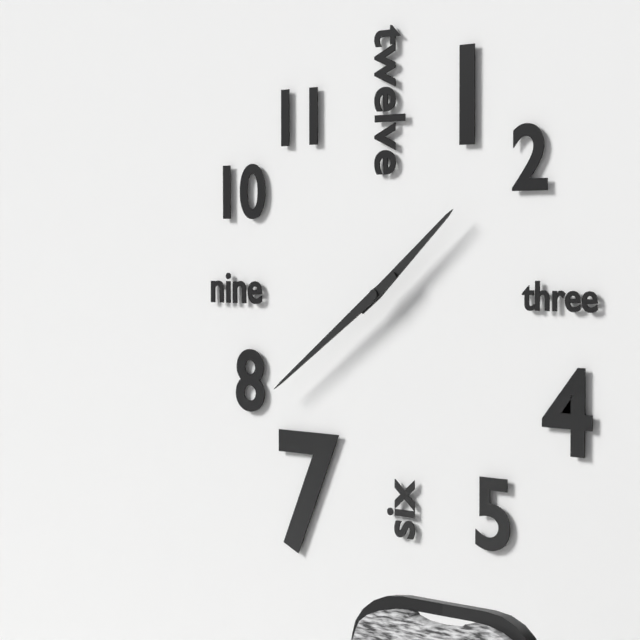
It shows 1h39
